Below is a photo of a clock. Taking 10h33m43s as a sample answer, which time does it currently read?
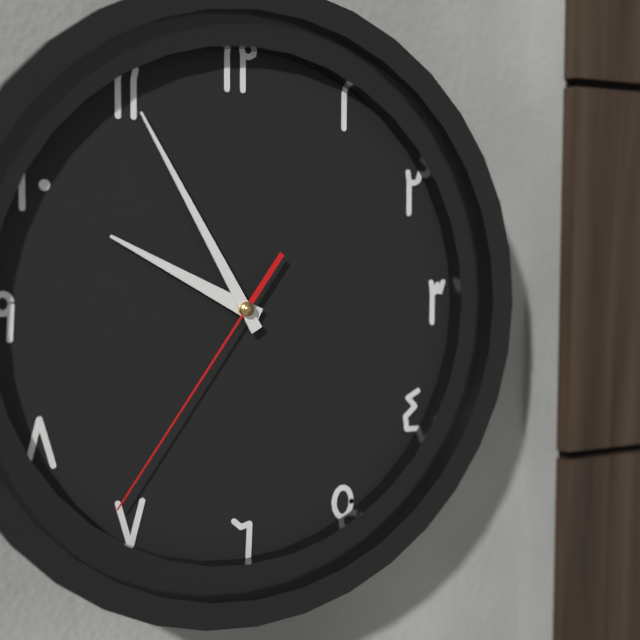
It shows 9h55m36s
